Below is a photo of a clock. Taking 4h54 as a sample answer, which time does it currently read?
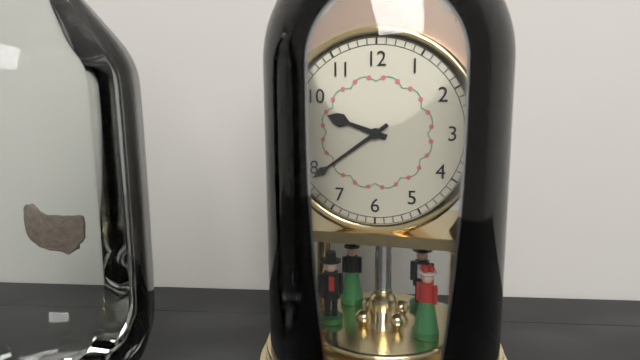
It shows 9h39
